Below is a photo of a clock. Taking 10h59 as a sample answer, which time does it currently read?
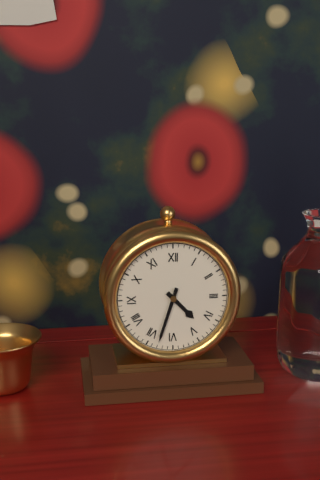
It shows 4h33
